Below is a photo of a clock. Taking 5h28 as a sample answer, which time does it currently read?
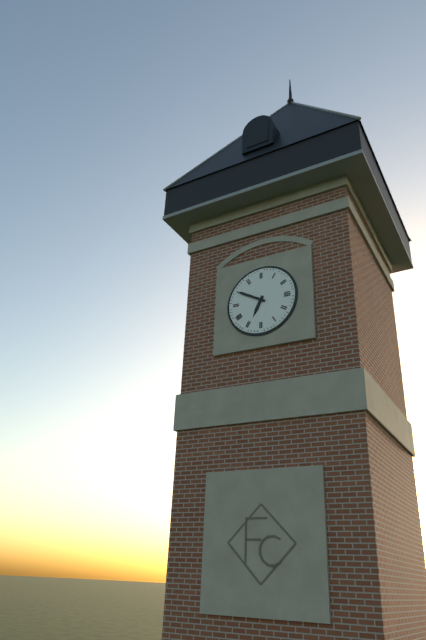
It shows 6h50
